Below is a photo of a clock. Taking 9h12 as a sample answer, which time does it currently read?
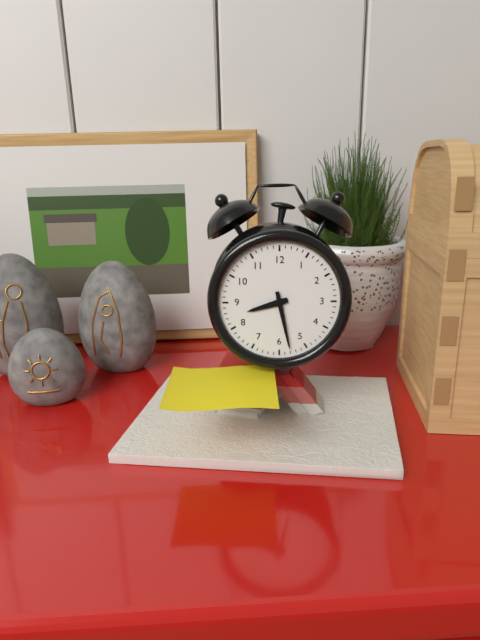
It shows 8h28
